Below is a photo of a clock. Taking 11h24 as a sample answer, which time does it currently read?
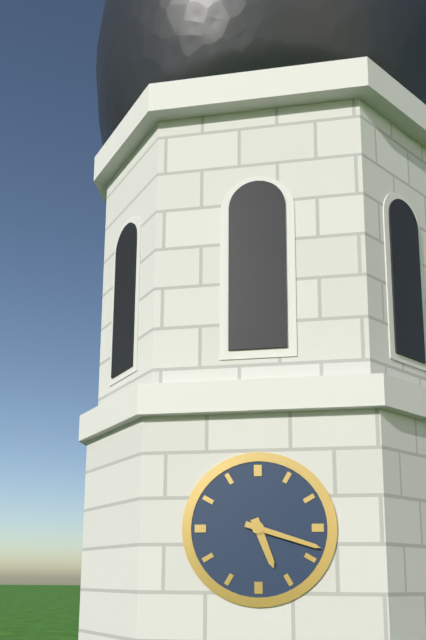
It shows 5h18
